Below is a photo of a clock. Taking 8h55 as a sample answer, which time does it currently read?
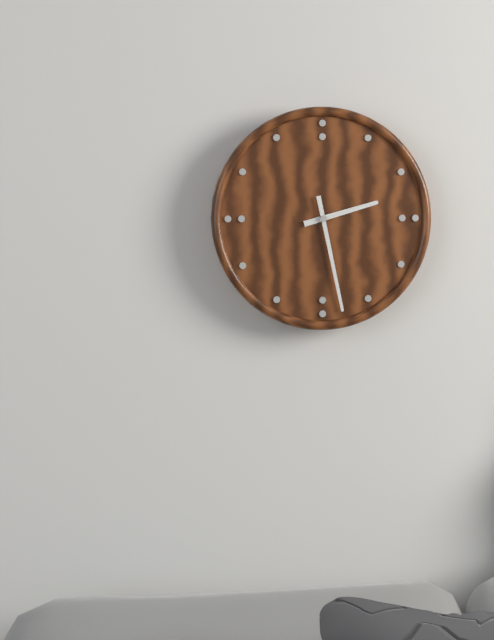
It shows 2h28
